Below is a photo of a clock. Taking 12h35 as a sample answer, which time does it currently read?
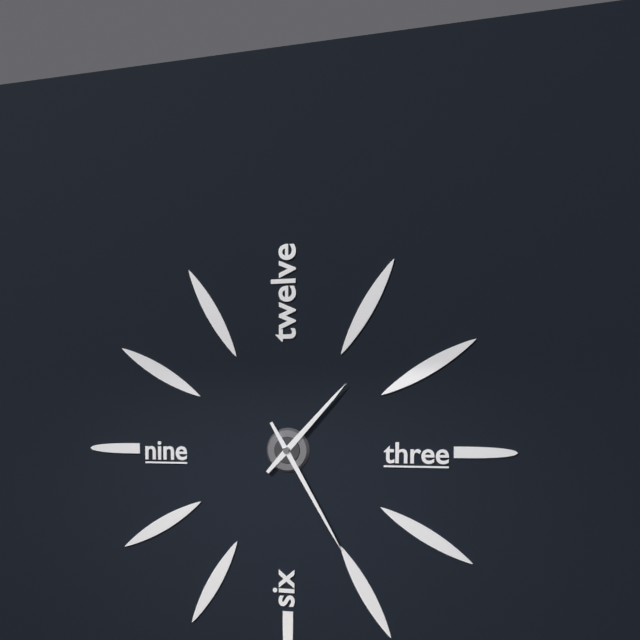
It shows 1h25
